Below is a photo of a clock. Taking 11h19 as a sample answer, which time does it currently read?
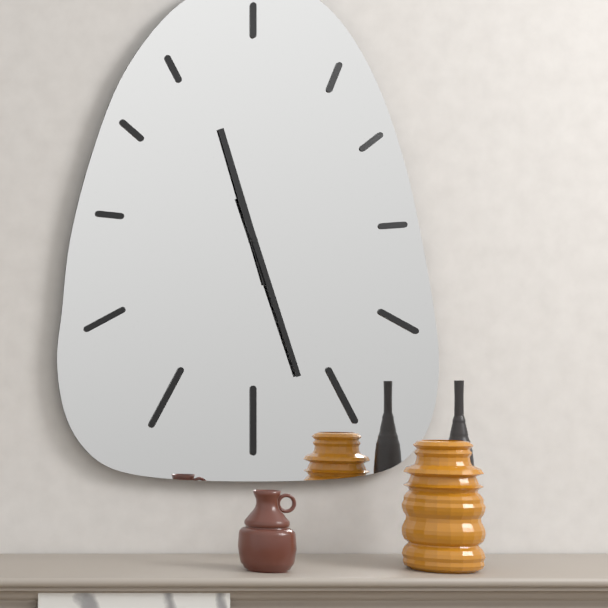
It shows 11h27
